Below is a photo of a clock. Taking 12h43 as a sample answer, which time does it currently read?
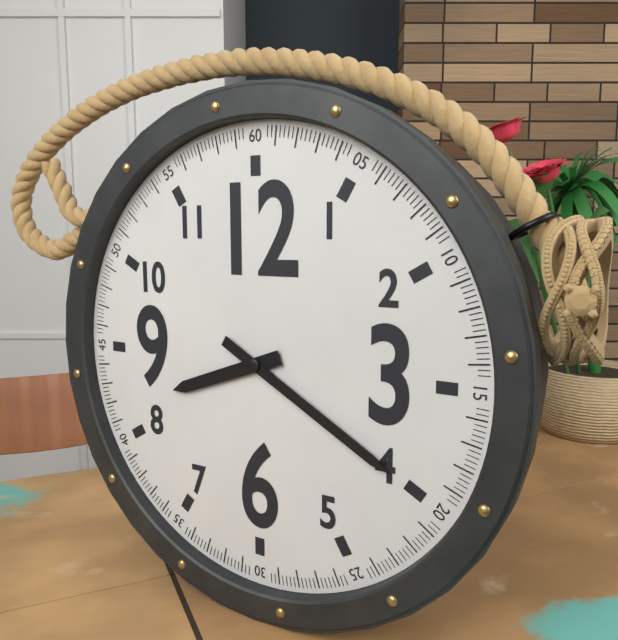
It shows 8h20
